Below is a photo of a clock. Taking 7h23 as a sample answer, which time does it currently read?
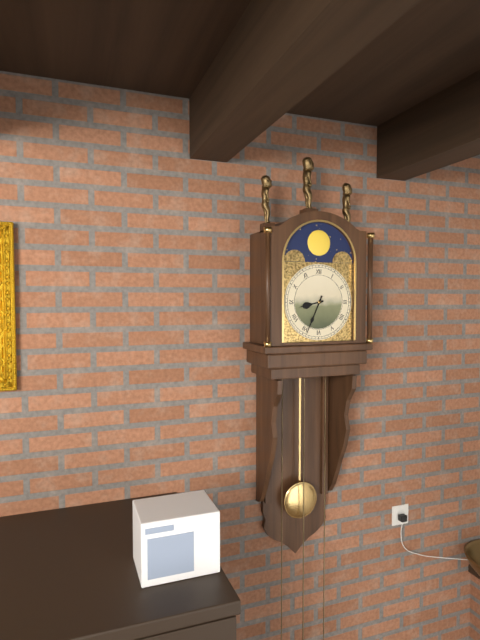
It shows 8h34
